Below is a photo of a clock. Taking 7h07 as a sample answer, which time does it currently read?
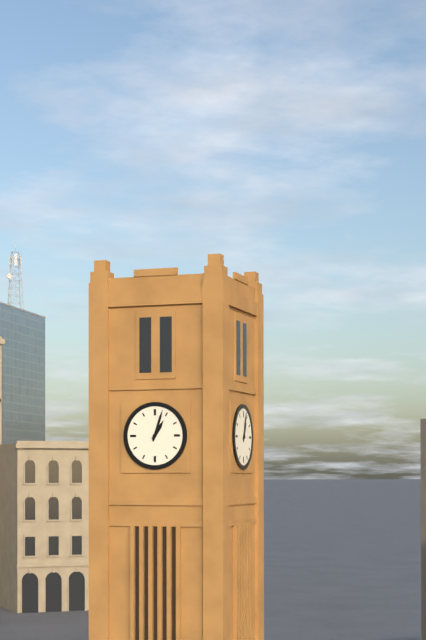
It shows 1h03
